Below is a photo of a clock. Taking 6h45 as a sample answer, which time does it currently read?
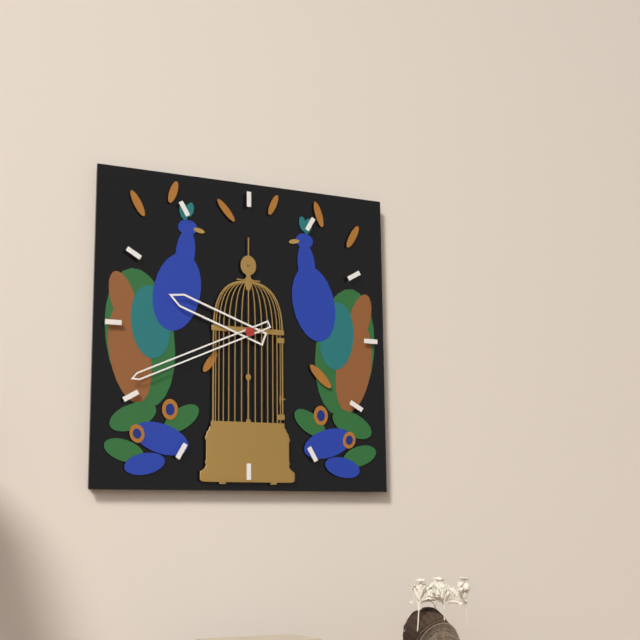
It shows 9h41
